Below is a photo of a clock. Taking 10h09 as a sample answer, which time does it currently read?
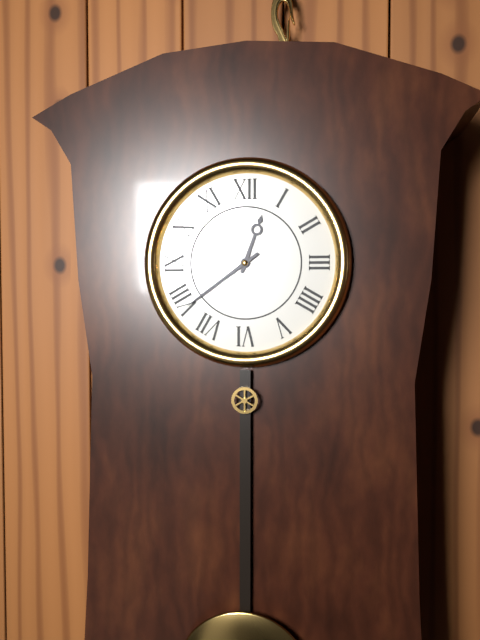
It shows 12h39
